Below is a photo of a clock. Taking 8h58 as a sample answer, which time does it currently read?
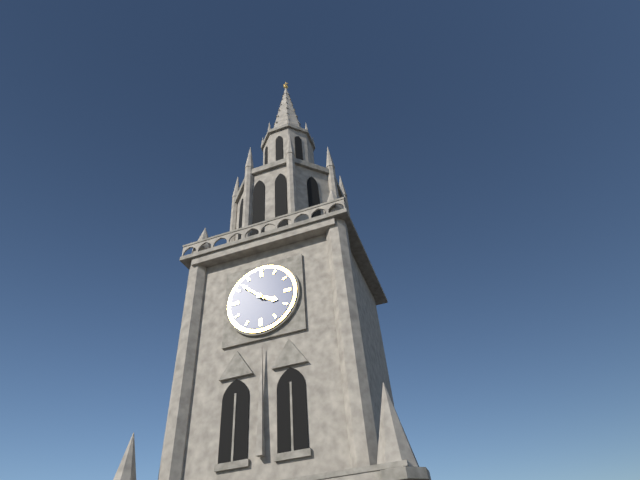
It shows 3h52
